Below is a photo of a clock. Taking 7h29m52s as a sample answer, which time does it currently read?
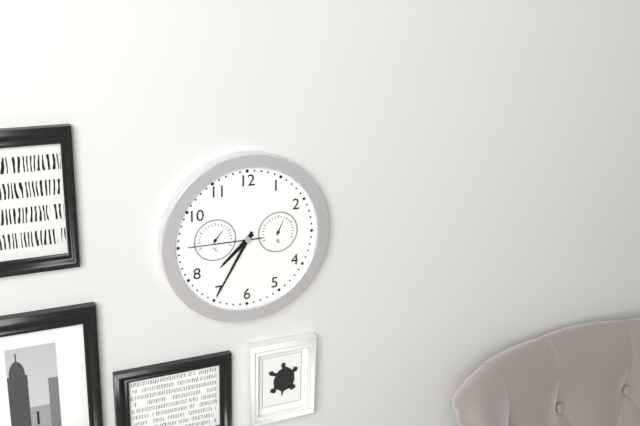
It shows 7h35m45s
